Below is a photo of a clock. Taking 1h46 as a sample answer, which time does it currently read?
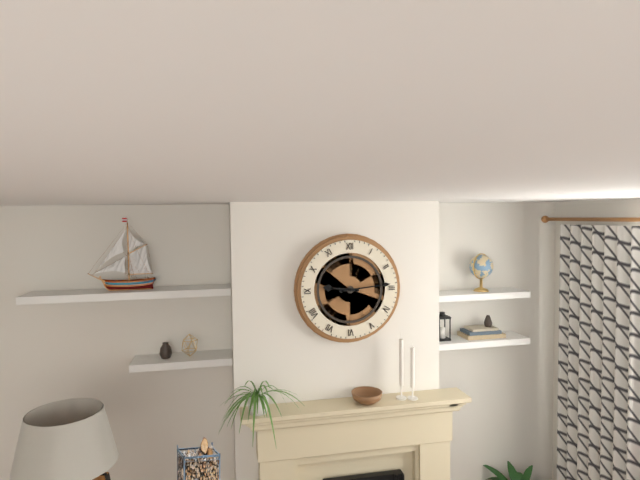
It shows 9h14
